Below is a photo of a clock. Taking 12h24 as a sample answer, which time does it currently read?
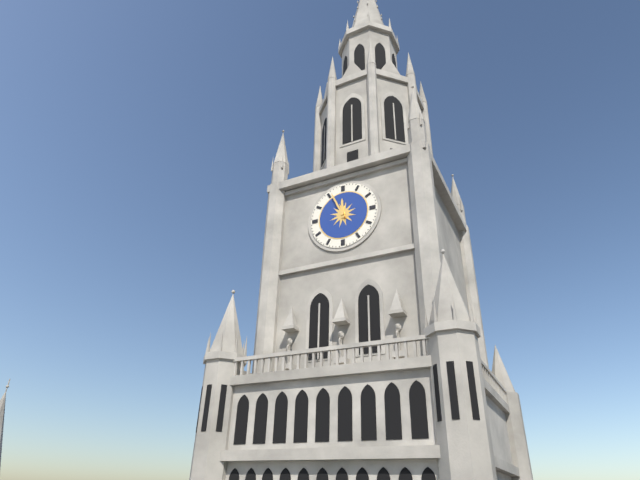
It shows 11h56
